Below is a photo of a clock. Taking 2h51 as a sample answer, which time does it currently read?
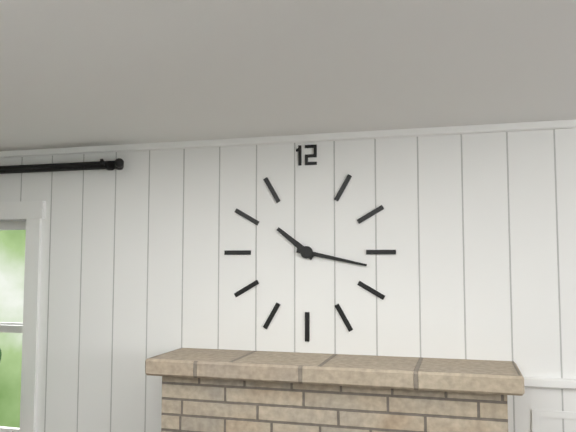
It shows 10h17
